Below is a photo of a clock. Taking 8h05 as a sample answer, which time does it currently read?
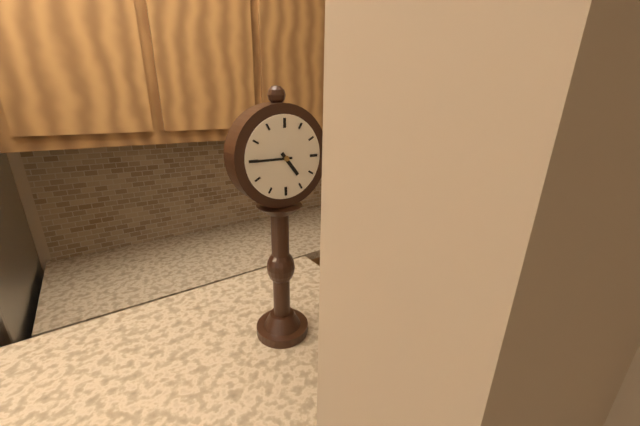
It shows 4h45
